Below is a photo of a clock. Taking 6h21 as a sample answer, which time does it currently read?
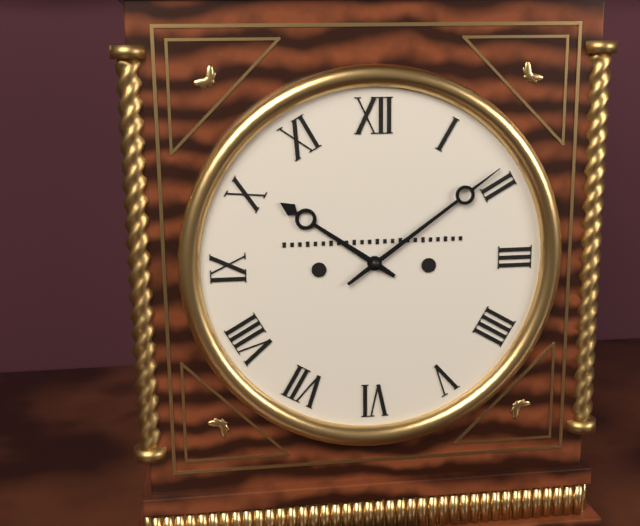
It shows 10h09
